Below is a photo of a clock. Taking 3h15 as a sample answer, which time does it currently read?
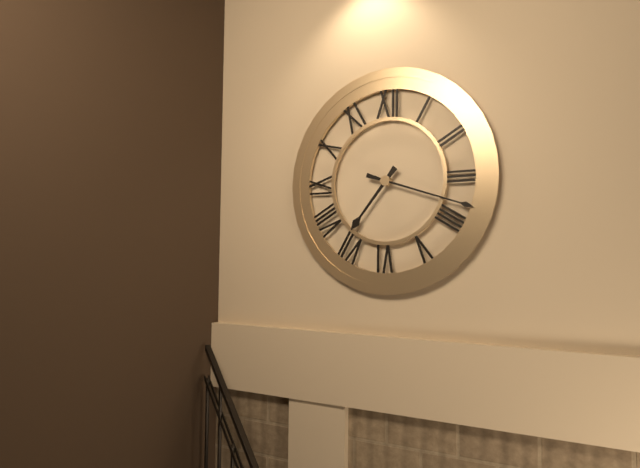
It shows 7h18
